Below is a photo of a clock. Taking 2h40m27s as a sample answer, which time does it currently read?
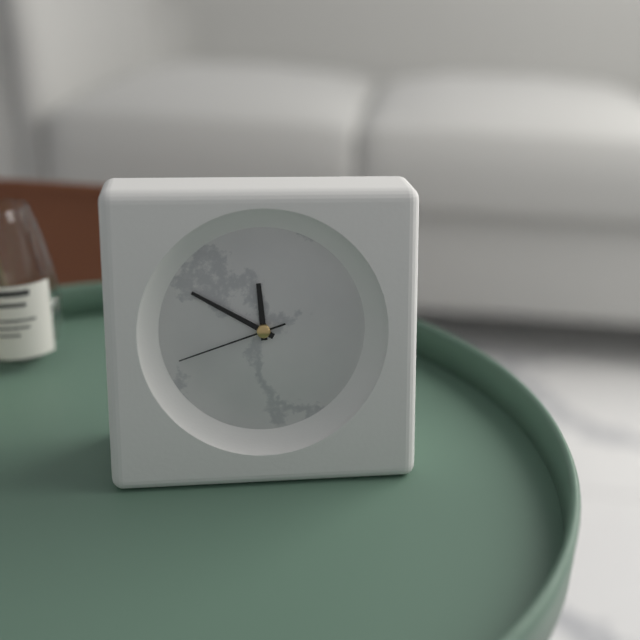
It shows 11h50m42s
